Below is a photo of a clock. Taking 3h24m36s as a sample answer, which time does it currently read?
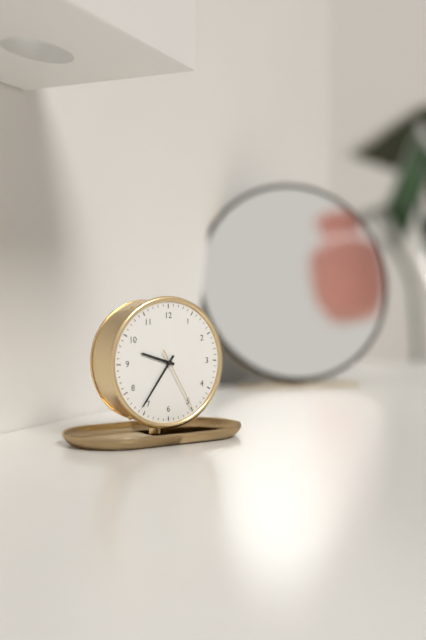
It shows 9h36m25s
